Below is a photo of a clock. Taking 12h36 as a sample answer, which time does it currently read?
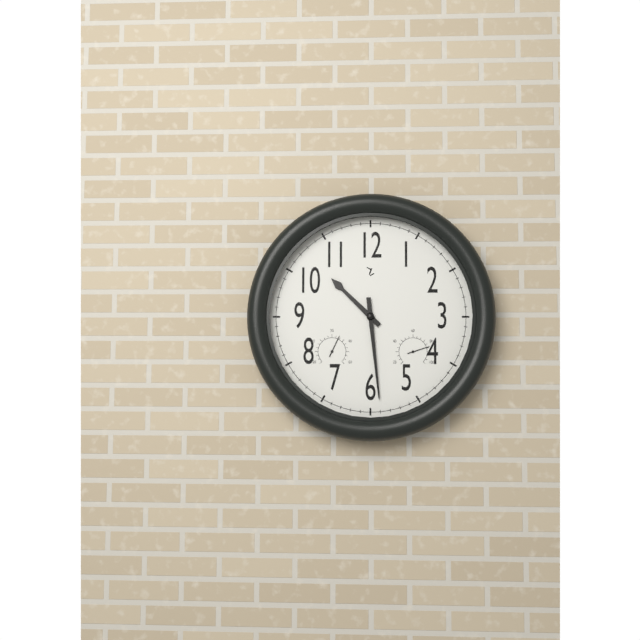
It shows 10h29
